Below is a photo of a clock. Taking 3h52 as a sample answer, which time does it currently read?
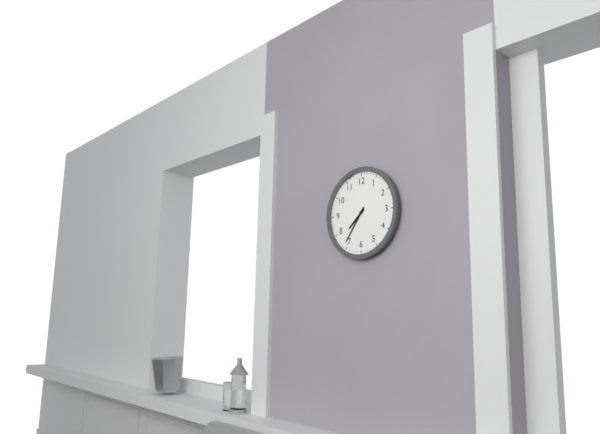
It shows 7h36
